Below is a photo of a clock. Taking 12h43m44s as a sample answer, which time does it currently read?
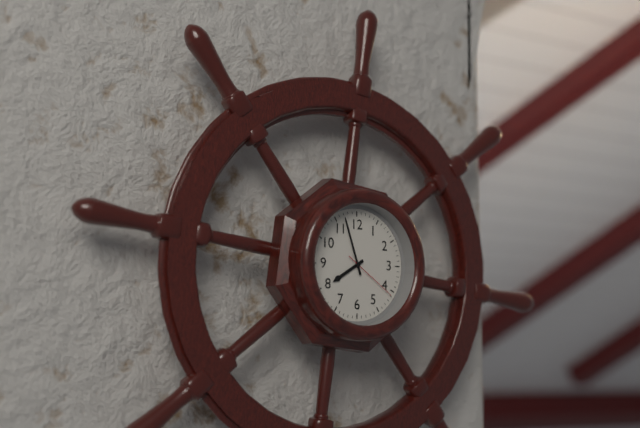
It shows 7h57m21s
